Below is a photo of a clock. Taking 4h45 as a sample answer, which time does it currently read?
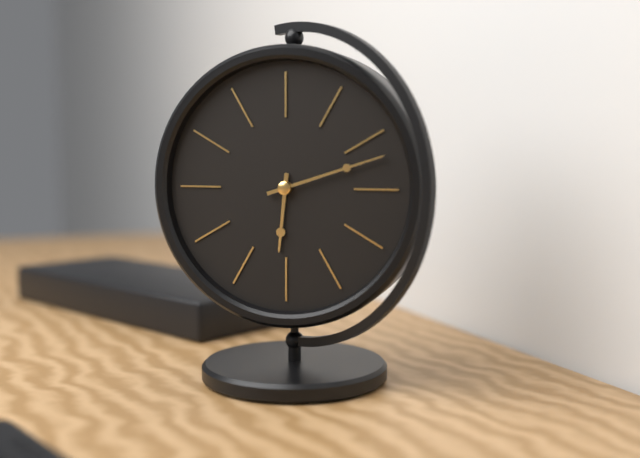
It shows 6h12
